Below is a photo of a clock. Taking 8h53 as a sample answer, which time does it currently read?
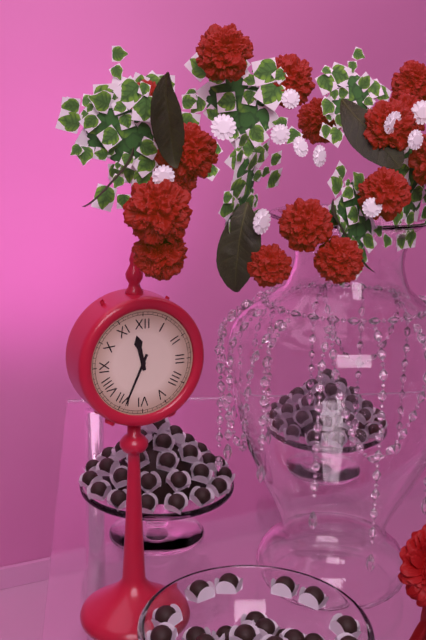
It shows 11h34
